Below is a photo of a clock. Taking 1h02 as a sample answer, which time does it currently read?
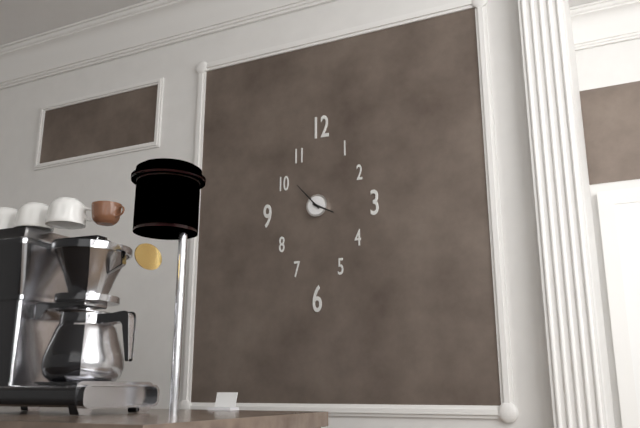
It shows 3h53
